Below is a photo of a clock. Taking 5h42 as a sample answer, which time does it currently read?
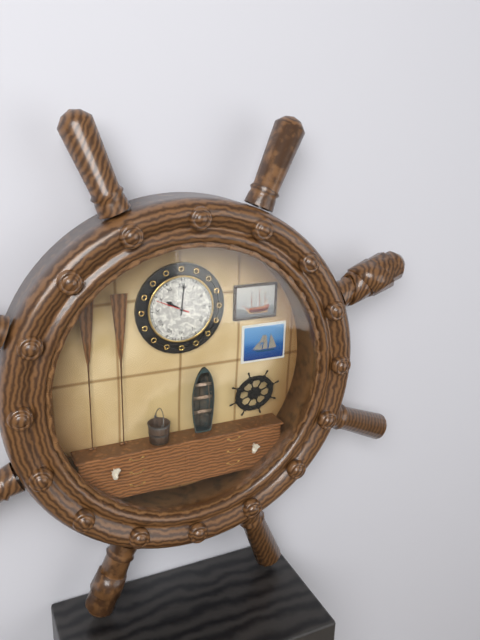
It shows 10h01
